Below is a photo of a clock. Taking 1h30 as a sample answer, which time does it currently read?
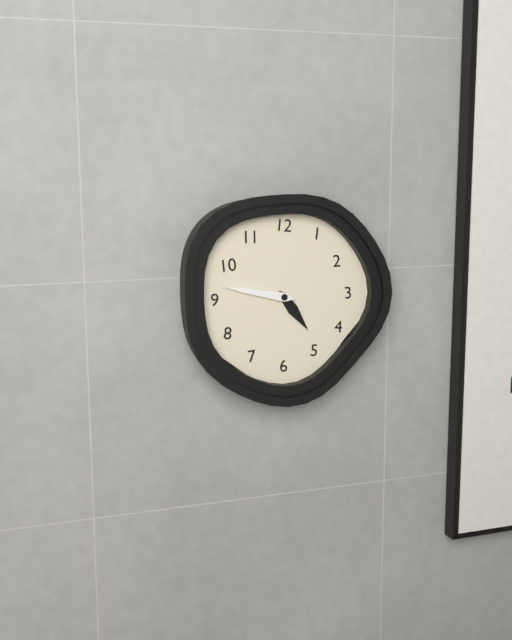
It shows 4h47
